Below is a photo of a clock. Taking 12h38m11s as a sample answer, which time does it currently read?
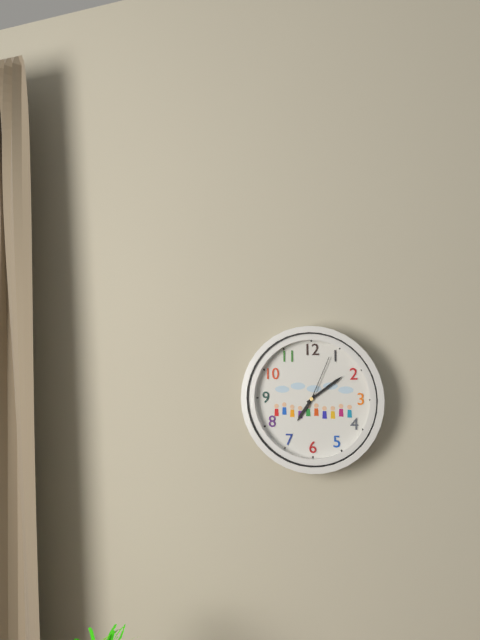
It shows 7h09m04s
